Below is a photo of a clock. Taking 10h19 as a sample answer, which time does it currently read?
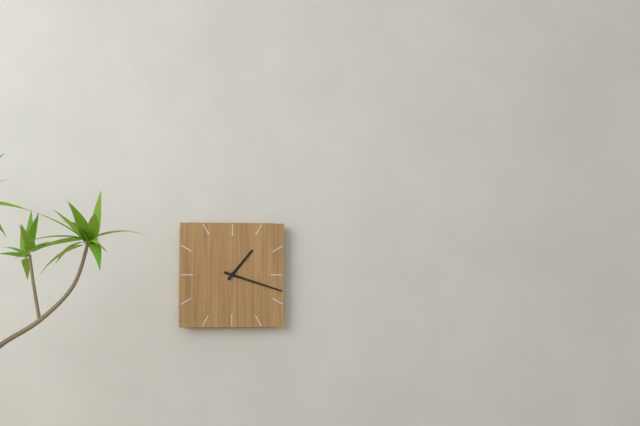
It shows 1h18
